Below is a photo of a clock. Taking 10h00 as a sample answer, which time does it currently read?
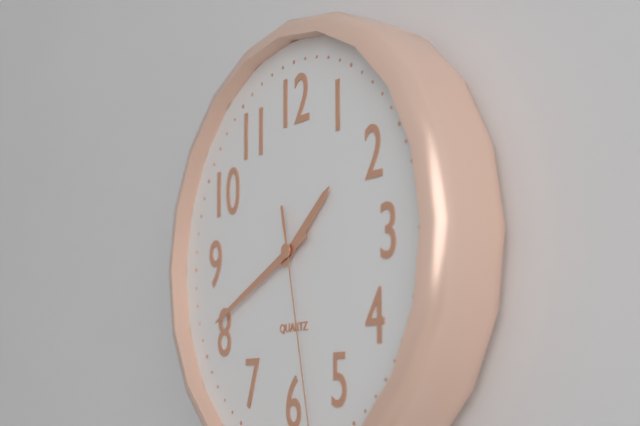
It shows 1h41
